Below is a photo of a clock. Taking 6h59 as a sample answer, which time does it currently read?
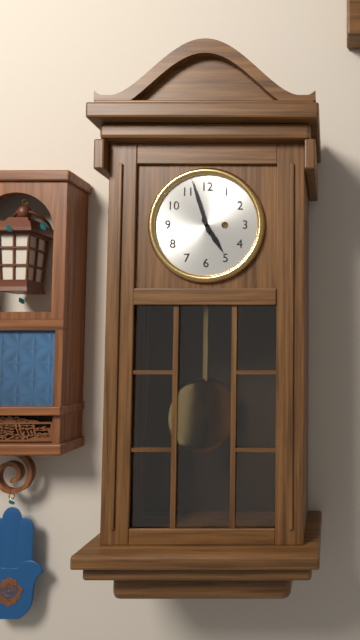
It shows 4h57
